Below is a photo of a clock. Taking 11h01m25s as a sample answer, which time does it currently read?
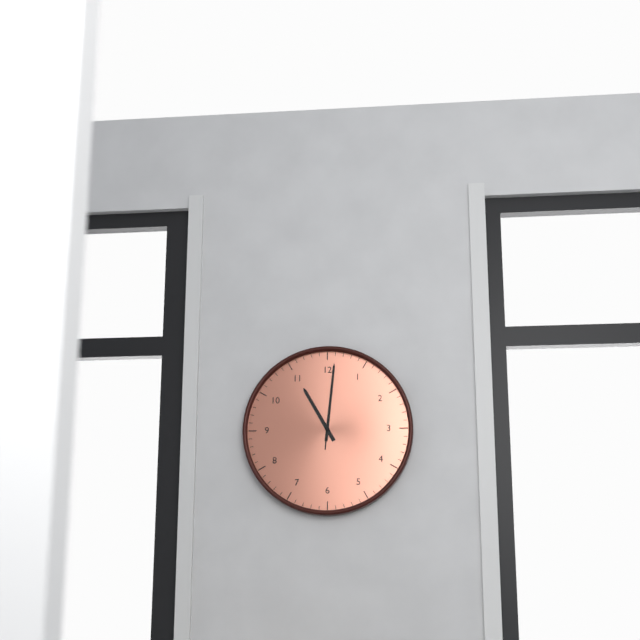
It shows 11h01m01s
